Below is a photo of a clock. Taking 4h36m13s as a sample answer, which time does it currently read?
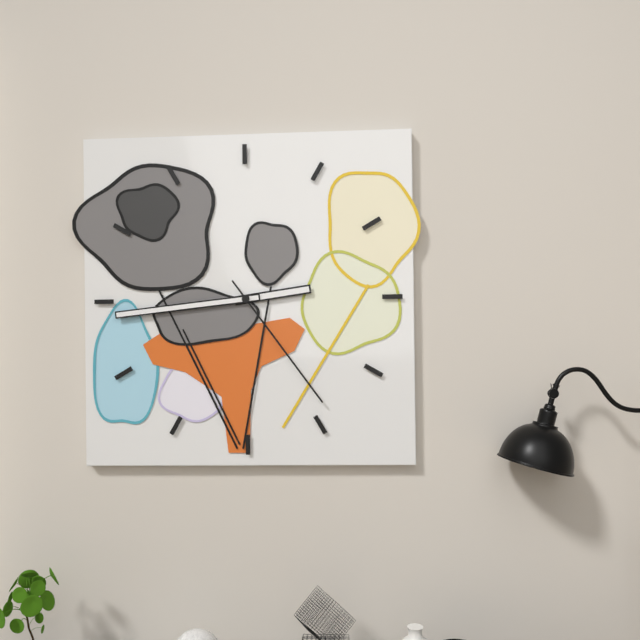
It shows 2h44m24s
